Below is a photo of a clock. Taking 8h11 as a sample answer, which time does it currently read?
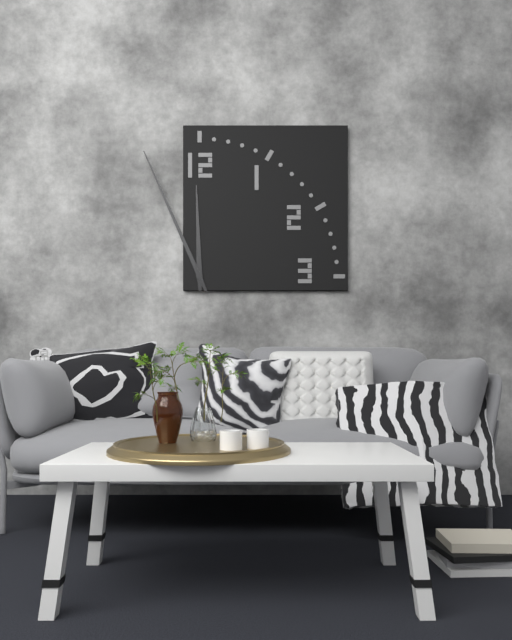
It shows 11h56
